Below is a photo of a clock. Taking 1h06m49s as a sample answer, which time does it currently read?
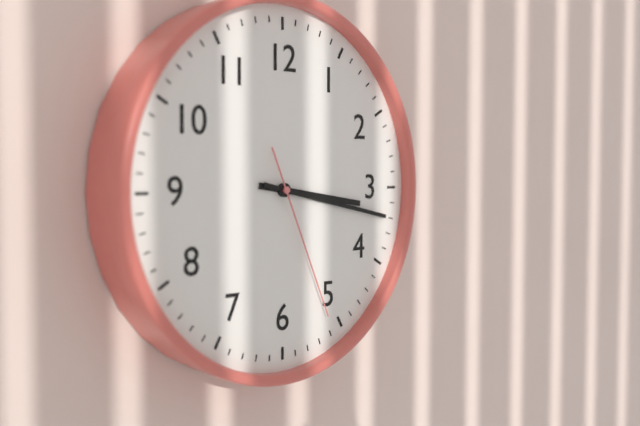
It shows 3h17m26s
